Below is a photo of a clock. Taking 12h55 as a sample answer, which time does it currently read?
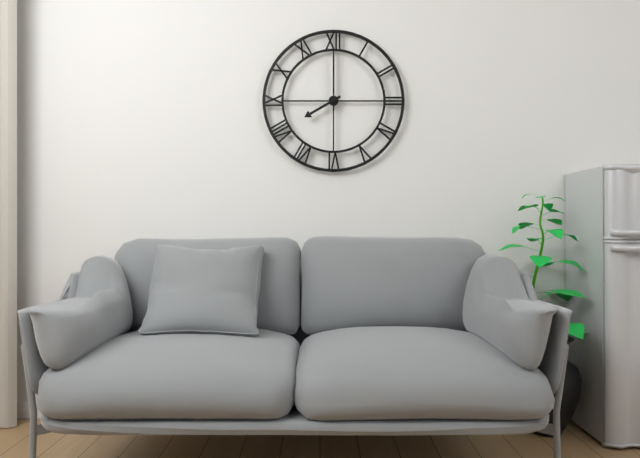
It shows 8h00
